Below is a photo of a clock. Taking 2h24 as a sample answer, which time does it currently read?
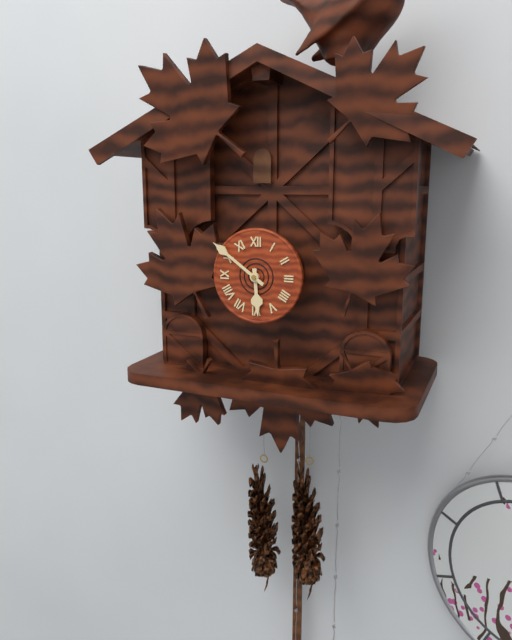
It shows 5h51
